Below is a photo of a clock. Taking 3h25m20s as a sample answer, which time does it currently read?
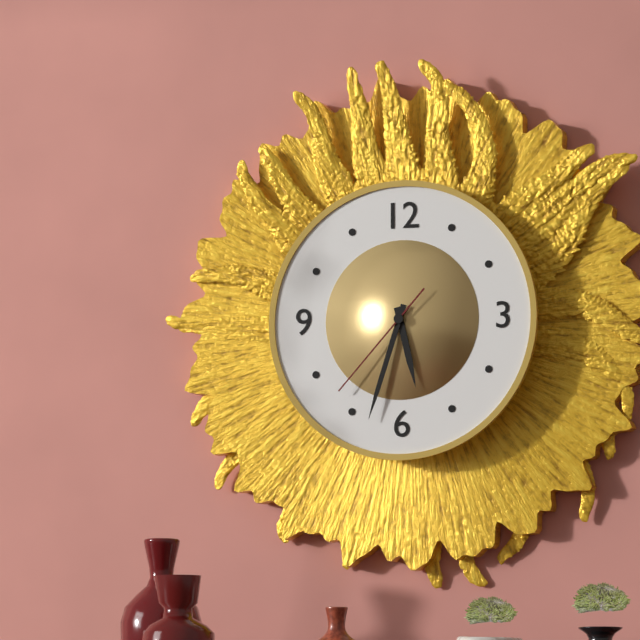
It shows 5h33m37s
